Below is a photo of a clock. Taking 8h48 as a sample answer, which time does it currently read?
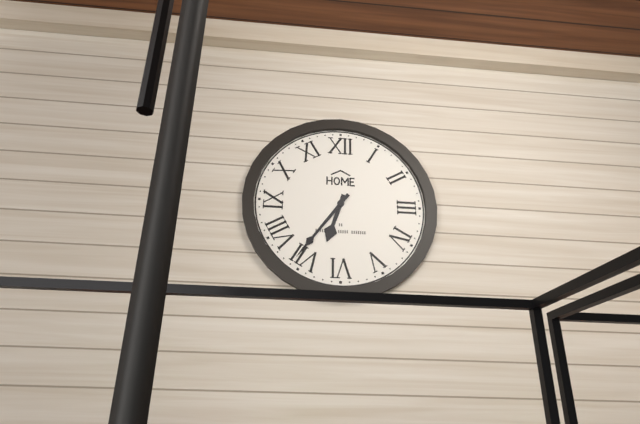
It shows 6h36
